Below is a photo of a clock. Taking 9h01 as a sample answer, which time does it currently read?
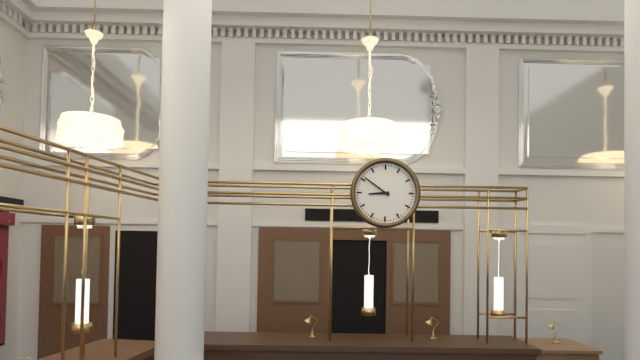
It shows 8h51
